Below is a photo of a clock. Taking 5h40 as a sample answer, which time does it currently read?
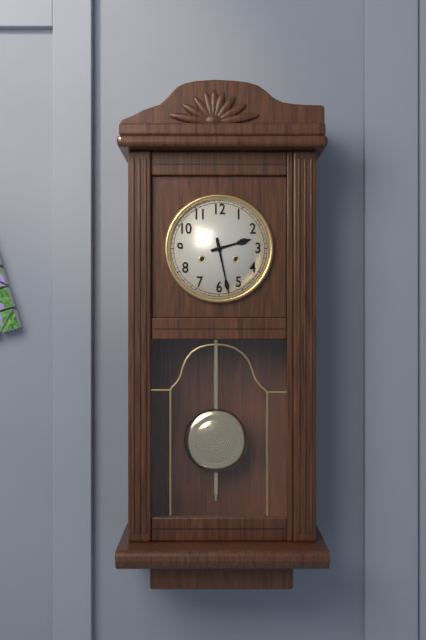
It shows 2h28
